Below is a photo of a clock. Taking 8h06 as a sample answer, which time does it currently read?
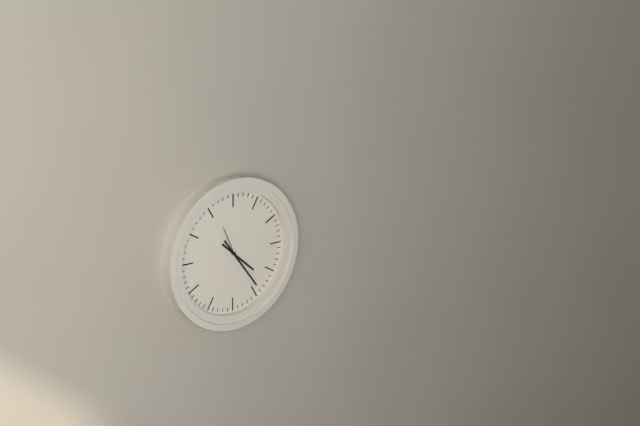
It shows 4h24
